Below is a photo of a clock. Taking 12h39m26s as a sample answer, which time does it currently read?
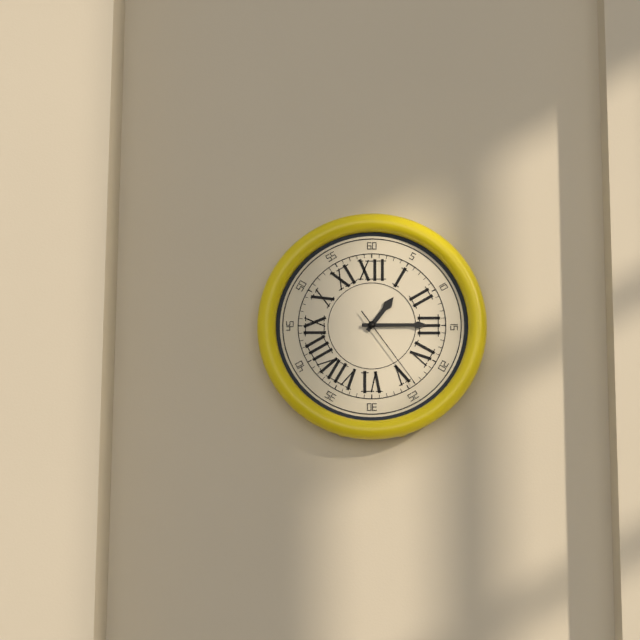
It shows 1h15m24s
